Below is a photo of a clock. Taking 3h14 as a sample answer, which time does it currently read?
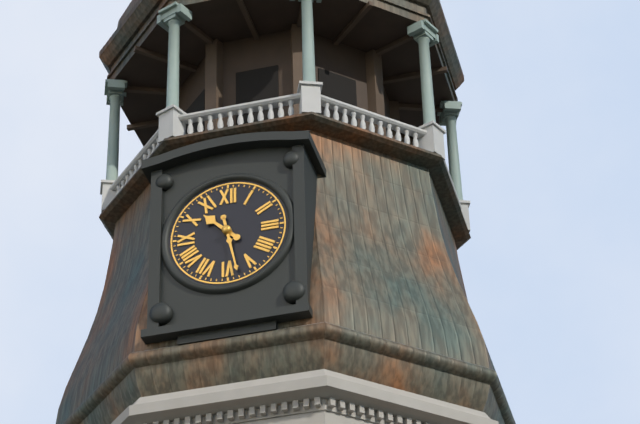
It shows 10h28
